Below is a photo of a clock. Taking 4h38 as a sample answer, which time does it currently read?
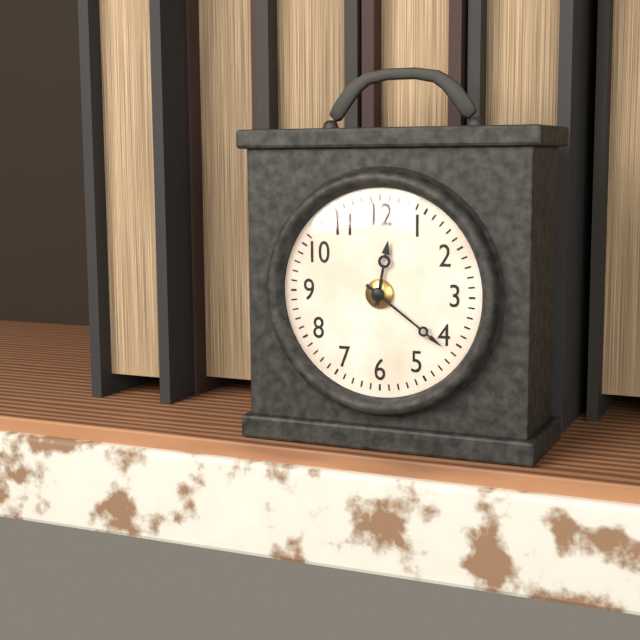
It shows 12h21
